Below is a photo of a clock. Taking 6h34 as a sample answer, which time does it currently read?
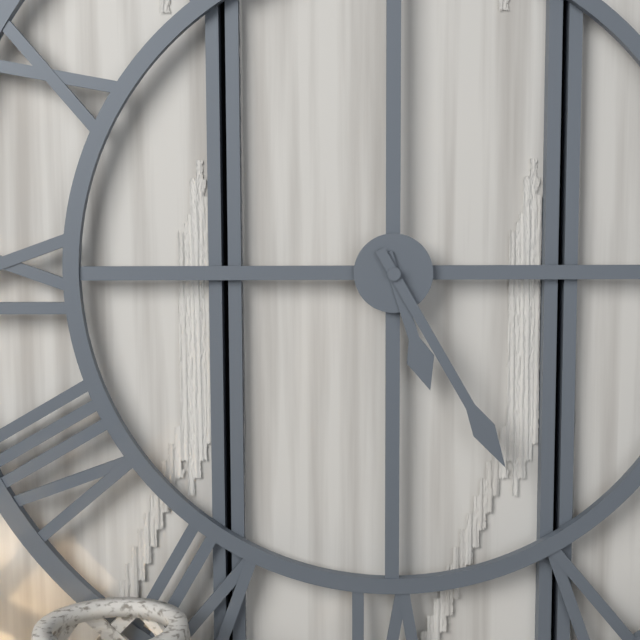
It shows 5h25
